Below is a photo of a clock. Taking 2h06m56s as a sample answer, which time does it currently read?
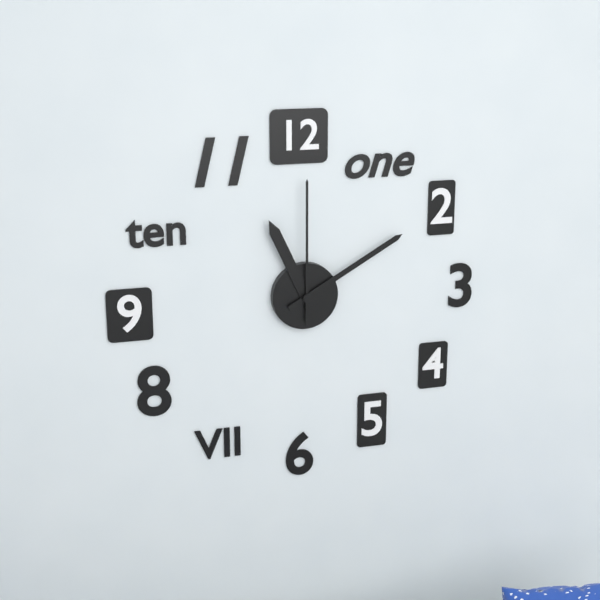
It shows 11h10m00s
